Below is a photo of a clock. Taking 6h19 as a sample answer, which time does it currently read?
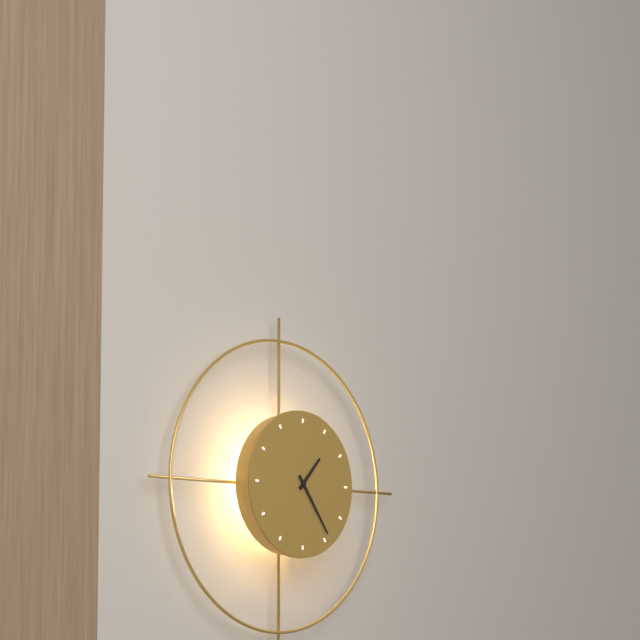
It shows 1h24
